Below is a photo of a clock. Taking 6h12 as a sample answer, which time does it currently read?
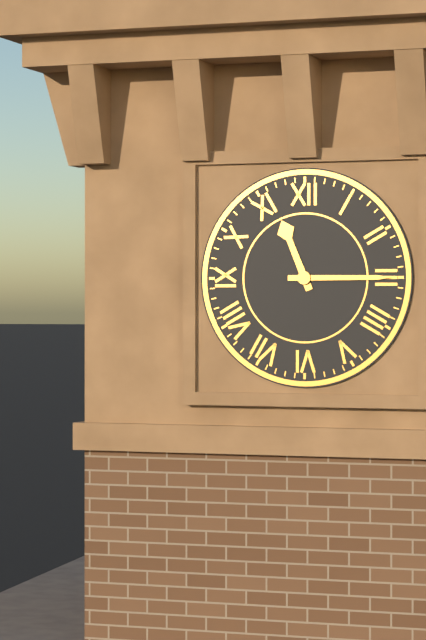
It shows 11h15
